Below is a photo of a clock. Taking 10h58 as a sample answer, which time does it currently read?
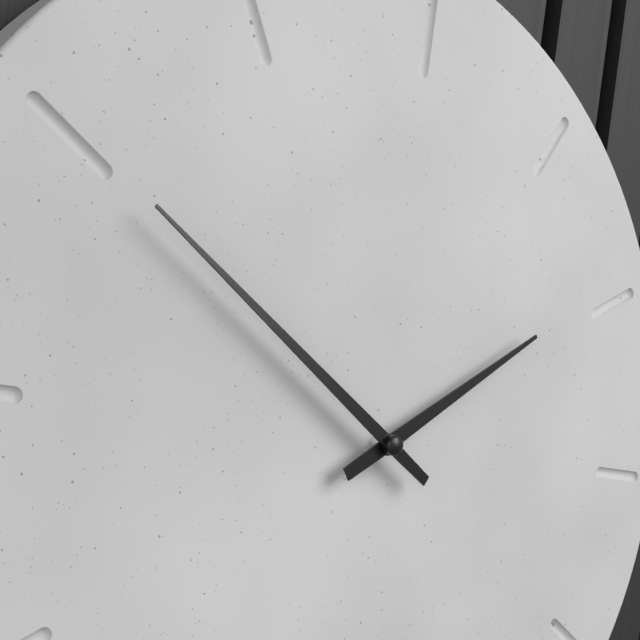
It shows 1h50
